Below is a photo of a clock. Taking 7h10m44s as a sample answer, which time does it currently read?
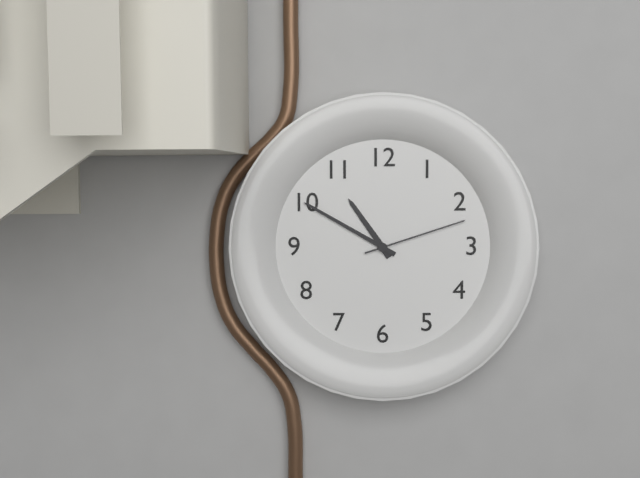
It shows 10h50m12s
